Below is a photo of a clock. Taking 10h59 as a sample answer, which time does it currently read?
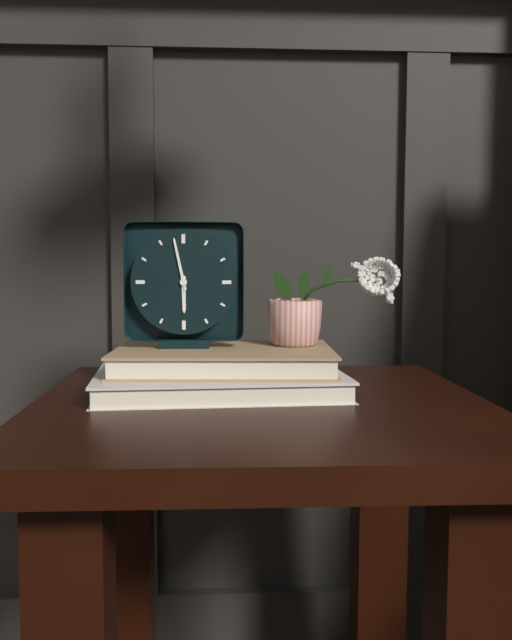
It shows 5h58
